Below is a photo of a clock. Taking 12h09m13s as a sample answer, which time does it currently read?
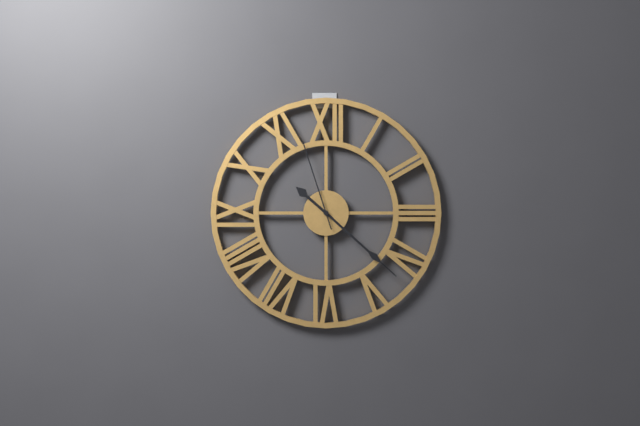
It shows 10h22m57s
